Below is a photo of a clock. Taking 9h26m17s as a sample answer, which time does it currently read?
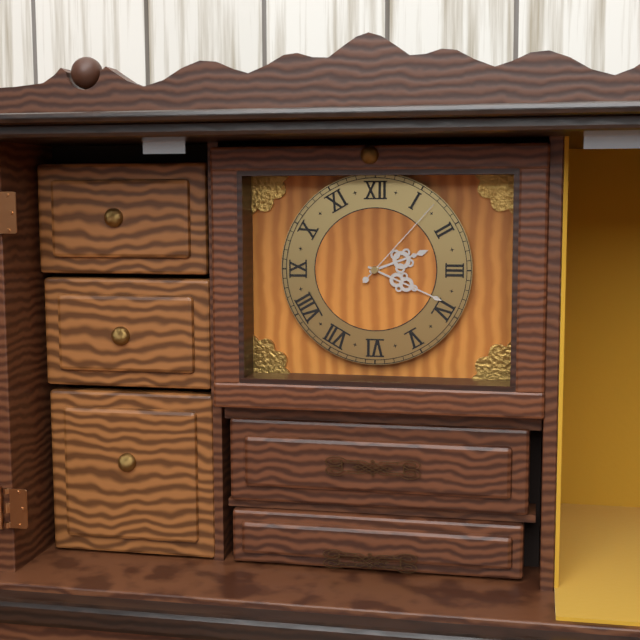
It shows 2h19m07s
